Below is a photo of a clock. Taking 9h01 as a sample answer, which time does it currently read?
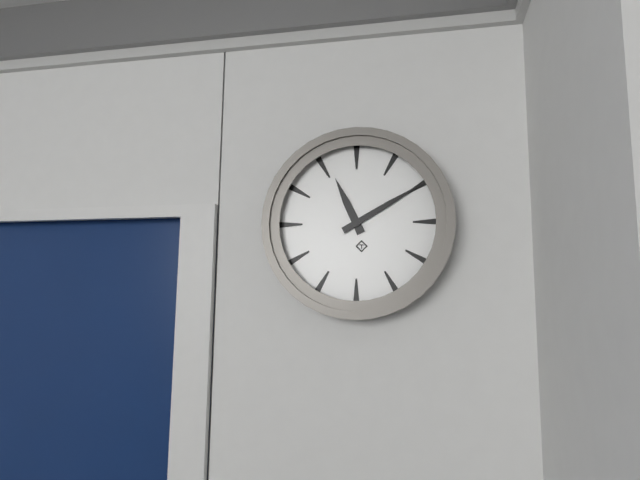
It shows 11h10
